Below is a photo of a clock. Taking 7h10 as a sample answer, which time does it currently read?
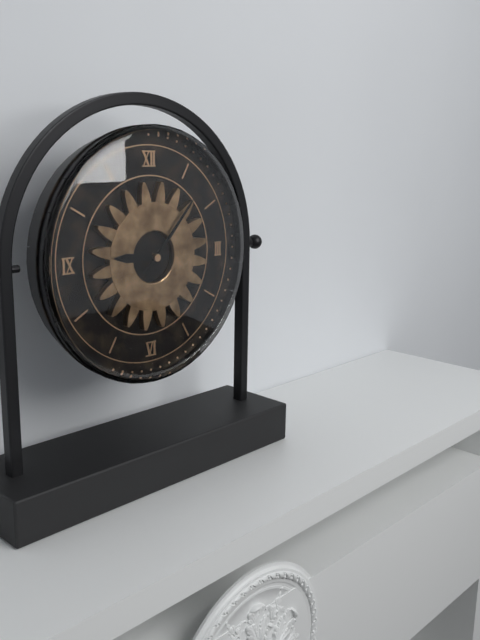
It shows 9h07
